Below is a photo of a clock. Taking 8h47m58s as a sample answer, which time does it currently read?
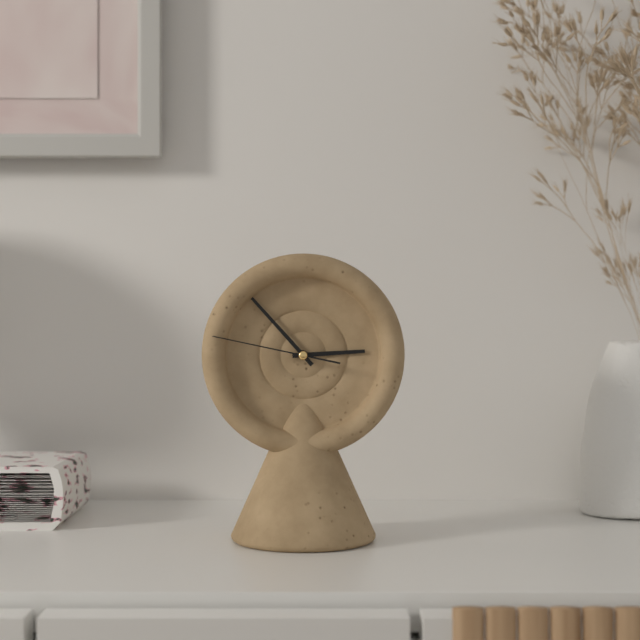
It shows 2h53m47s
